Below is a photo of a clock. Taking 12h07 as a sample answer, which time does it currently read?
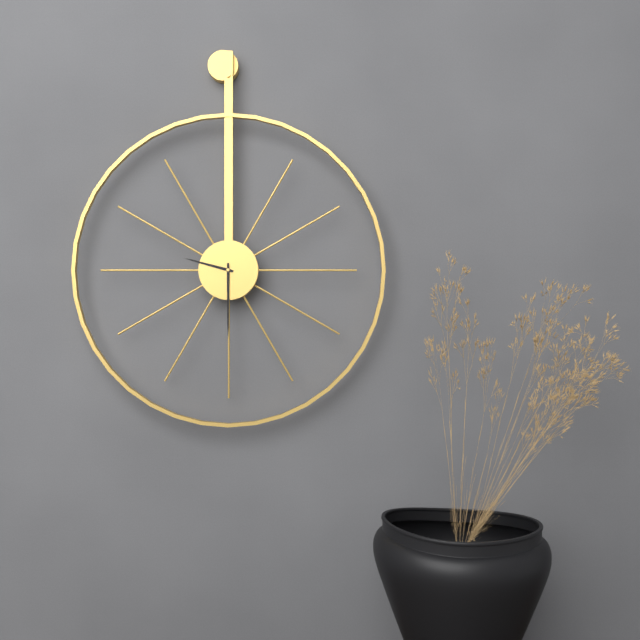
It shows 9h30
